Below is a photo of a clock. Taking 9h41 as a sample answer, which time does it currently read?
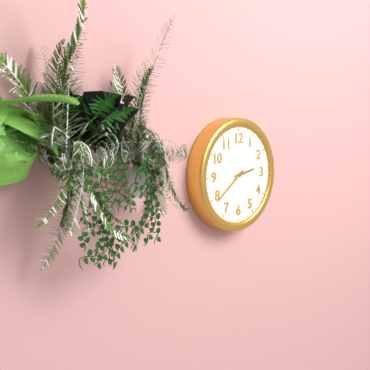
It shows 2h39
